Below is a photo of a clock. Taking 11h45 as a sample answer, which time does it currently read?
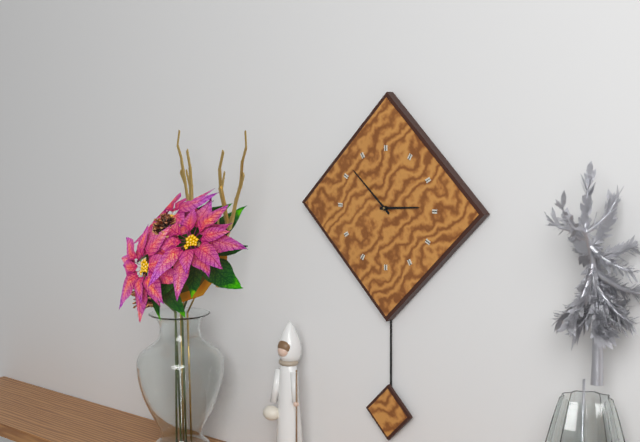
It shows 2h52
